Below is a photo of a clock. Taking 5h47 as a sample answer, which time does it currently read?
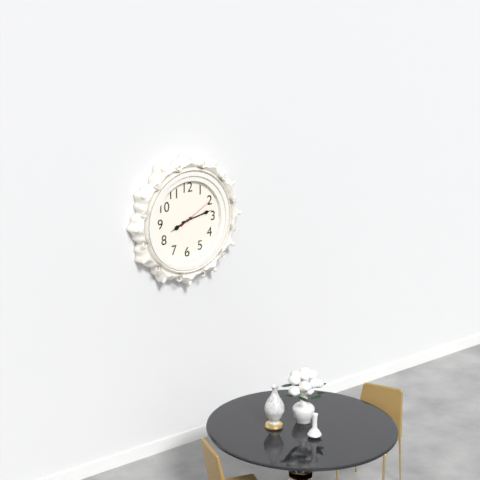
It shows 8h13
